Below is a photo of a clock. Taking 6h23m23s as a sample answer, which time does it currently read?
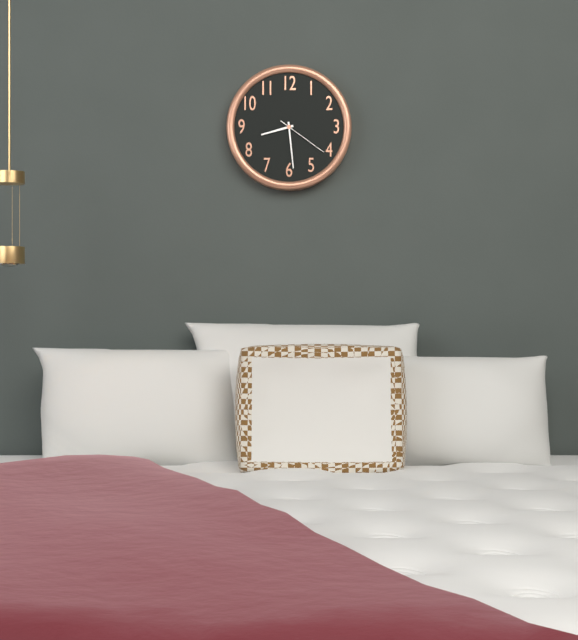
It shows 8h29m21s
